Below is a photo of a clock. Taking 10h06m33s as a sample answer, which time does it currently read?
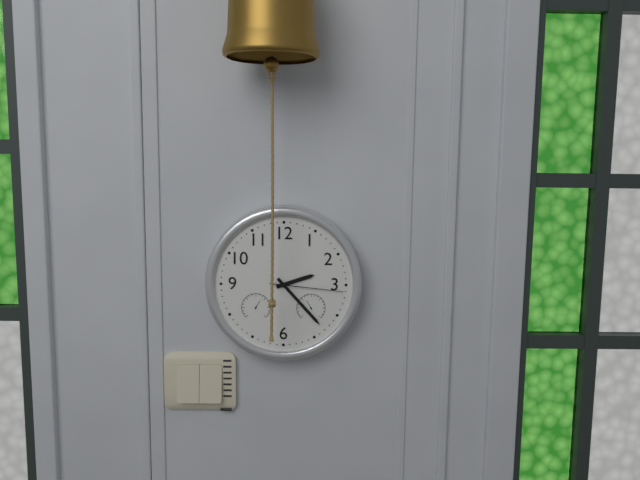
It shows 2h23m16s
